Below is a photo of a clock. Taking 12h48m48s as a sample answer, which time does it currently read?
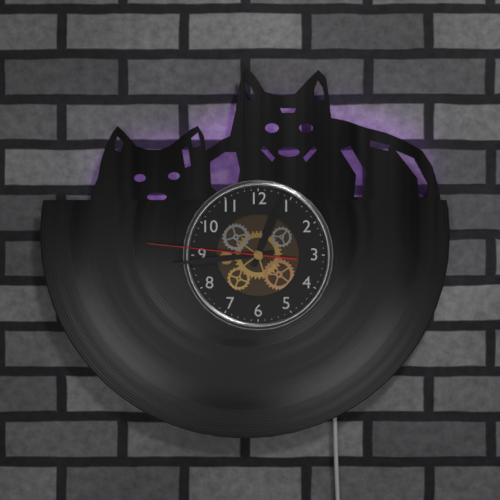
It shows 12h44m46s
